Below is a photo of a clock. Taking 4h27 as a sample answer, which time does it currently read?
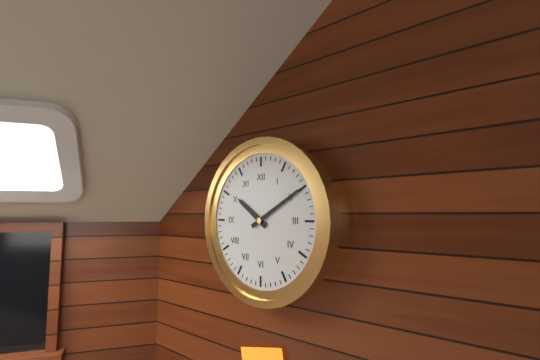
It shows 10h10
